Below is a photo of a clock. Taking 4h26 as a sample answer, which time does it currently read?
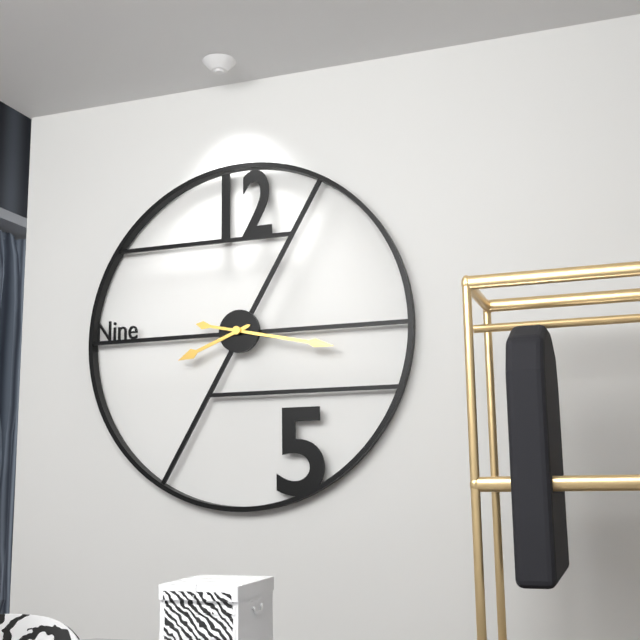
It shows 8h17
